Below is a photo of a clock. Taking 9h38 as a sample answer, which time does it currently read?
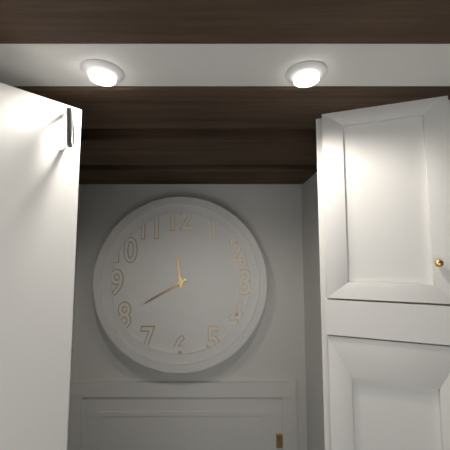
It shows 11h40
